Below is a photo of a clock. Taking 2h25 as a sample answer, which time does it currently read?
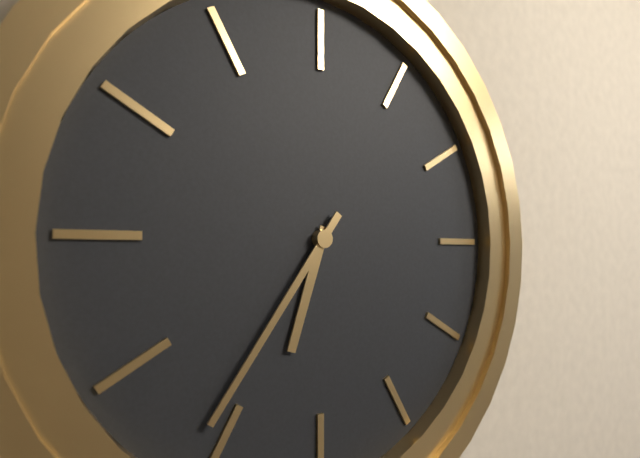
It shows 6h36
